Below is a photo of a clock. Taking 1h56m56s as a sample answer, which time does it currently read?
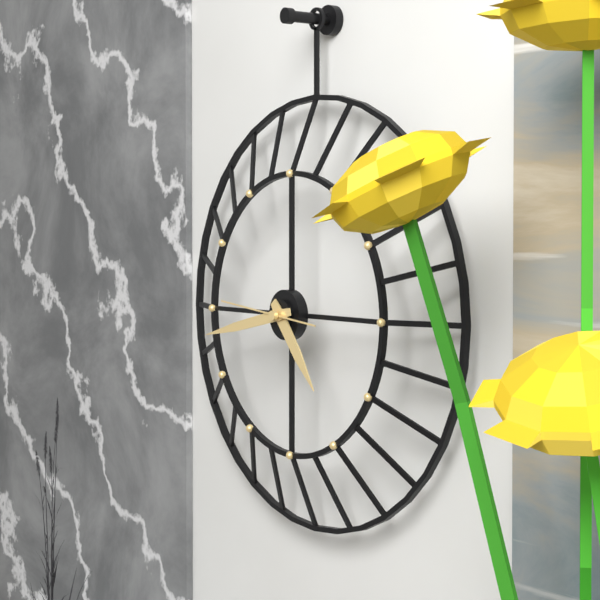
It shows 4h43m46s
